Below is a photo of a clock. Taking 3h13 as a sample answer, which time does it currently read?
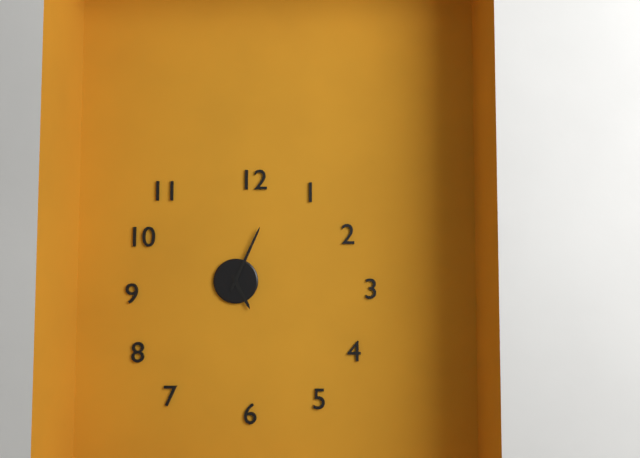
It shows 5h04
